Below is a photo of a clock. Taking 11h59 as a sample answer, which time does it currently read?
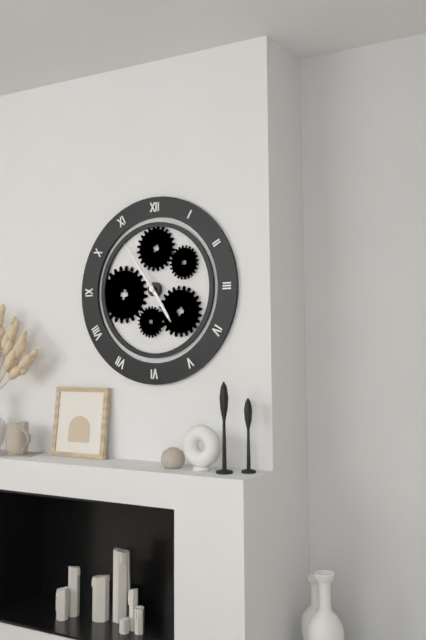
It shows 4h54
